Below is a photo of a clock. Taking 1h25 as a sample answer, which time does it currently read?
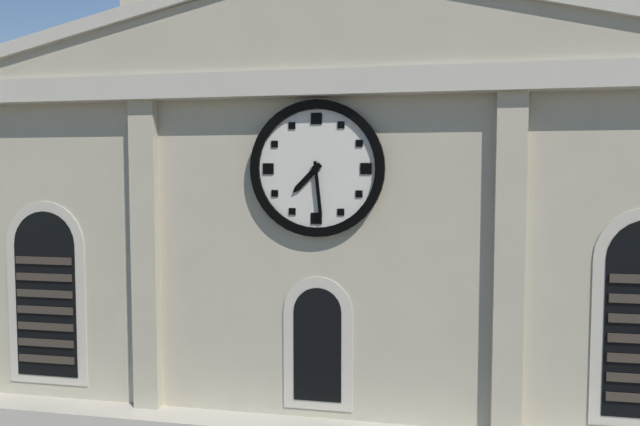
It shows 7h29
